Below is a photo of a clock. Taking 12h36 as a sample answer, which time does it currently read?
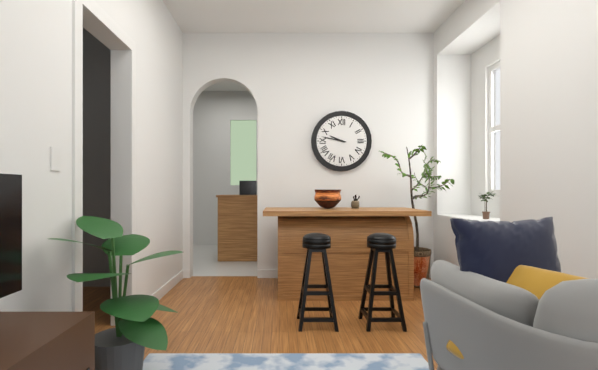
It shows 9h47
